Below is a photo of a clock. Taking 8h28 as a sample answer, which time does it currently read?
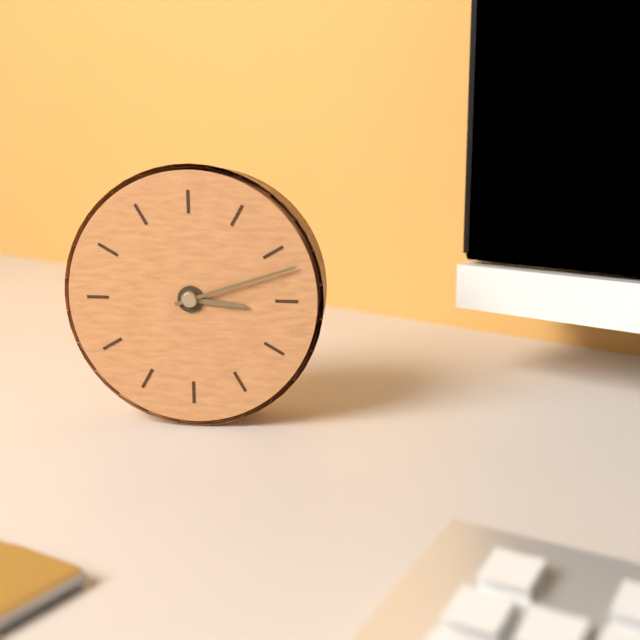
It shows 3h12
